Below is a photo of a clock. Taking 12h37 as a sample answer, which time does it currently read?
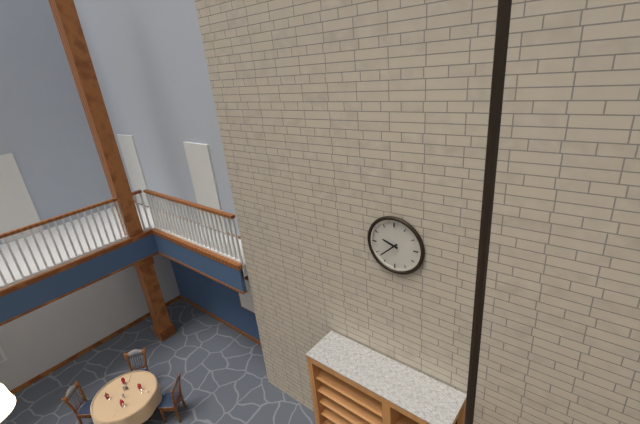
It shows 9h38
